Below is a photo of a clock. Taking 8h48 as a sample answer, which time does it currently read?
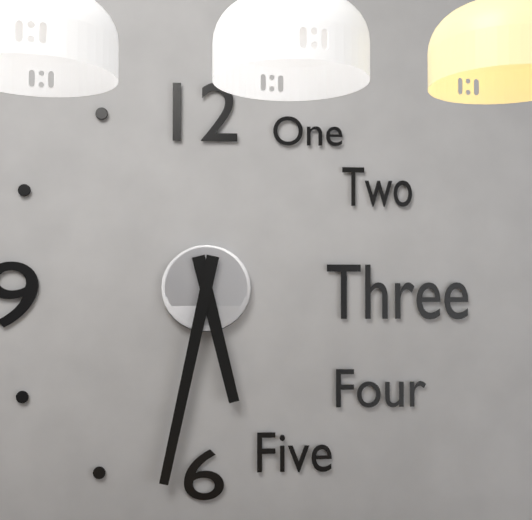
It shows 5h32
